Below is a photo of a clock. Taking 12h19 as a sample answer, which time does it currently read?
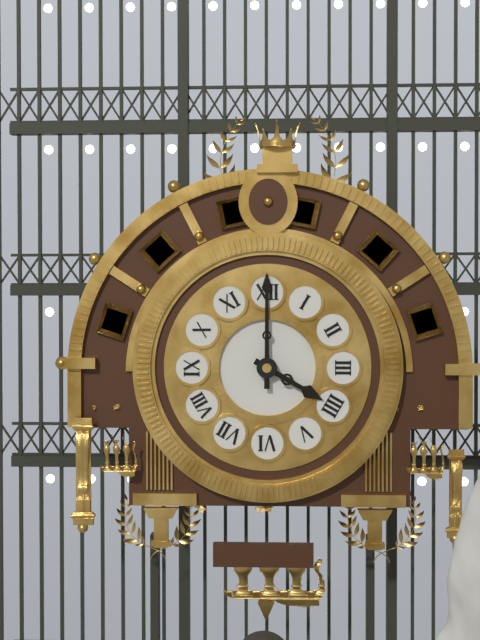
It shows 4h00
